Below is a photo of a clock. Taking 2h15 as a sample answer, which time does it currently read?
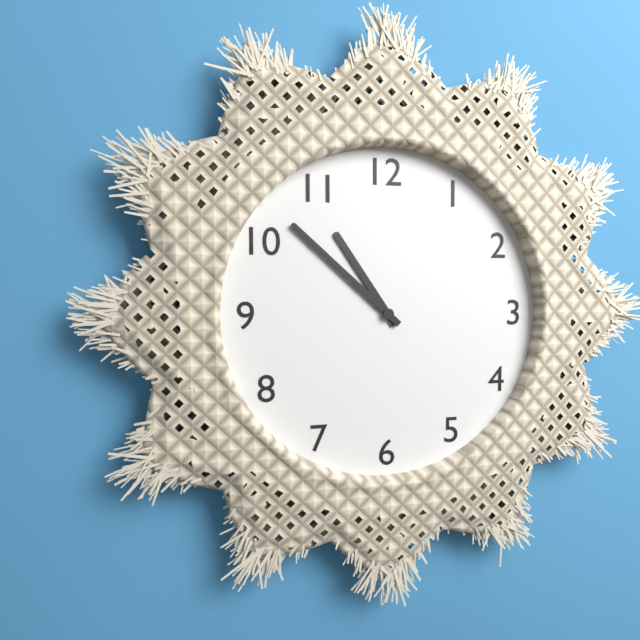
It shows 10h52
